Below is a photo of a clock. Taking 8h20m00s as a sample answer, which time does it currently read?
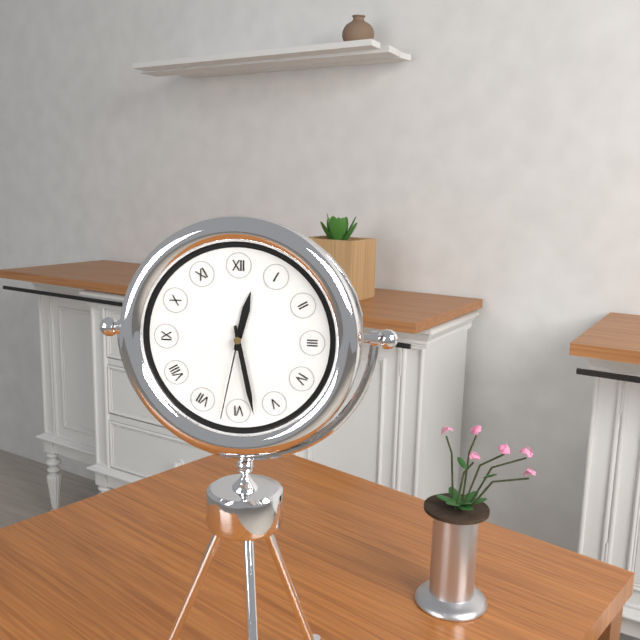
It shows 12h28m32s
